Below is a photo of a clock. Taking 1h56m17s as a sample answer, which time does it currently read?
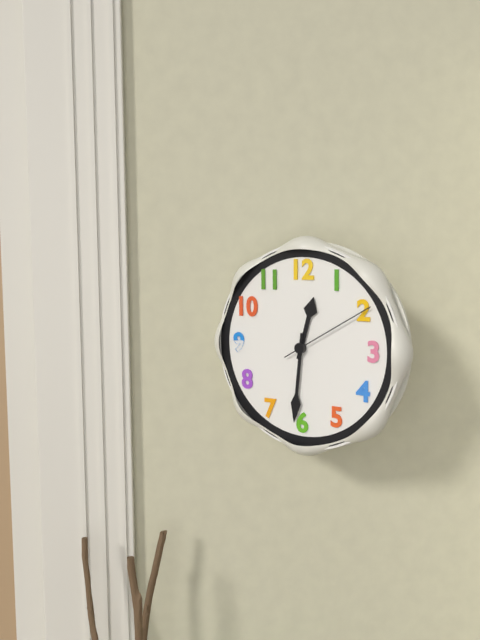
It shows 12h31m10s
